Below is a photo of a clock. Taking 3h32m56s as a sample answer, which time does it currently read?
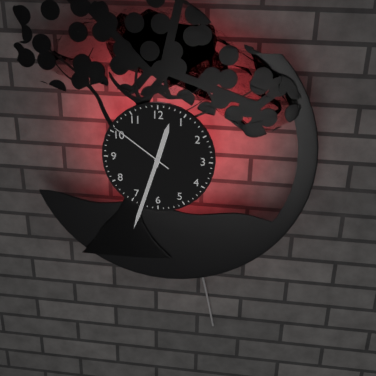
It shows 12h33m51s
